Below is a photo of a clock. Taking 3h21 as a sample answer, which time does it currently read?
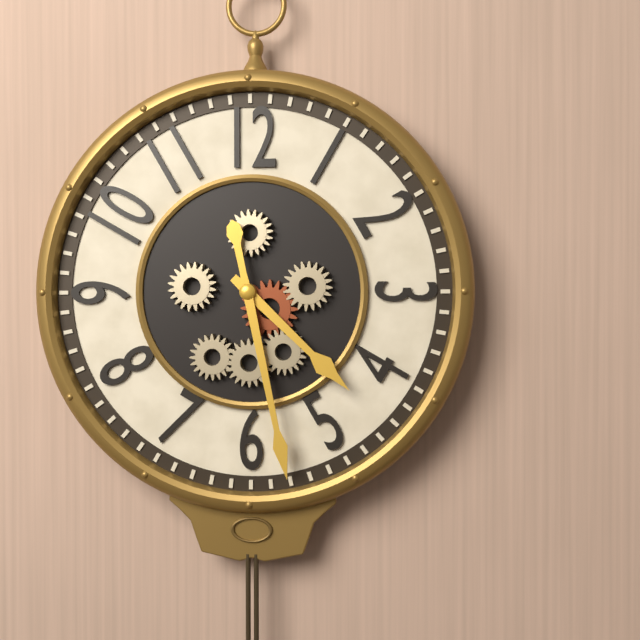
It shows 4h28
